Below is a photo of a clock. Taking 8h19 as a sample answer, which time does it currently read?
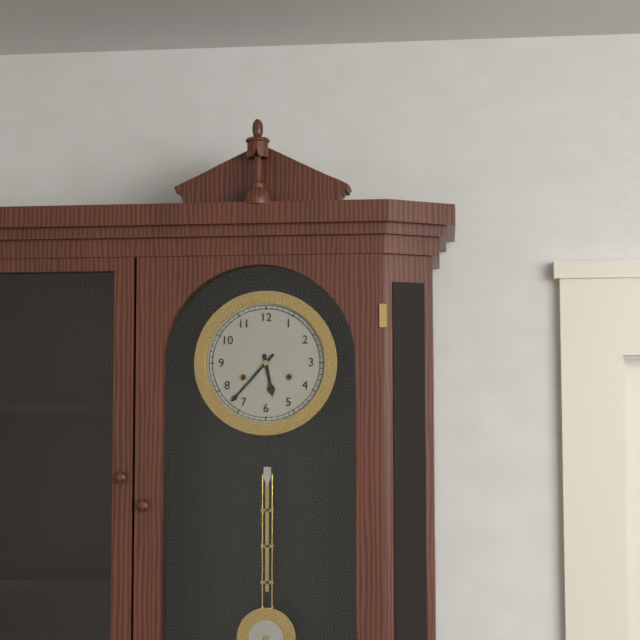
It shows 5h37
